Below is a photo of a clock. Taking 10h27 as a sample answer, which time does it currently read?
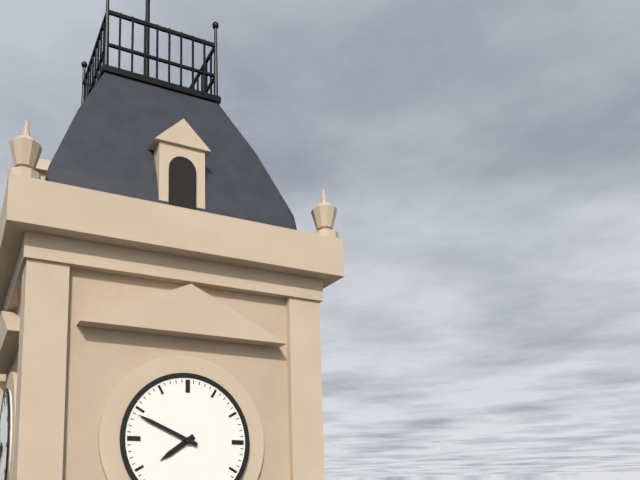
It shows 7h49
